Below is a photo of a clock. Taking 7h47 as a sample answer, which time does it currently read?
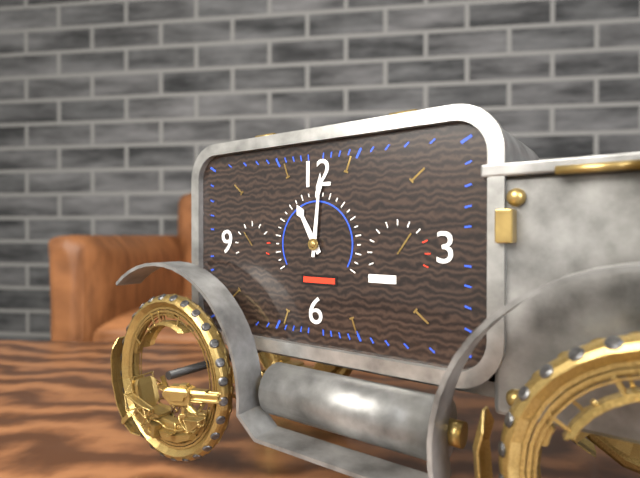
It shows 11h01
